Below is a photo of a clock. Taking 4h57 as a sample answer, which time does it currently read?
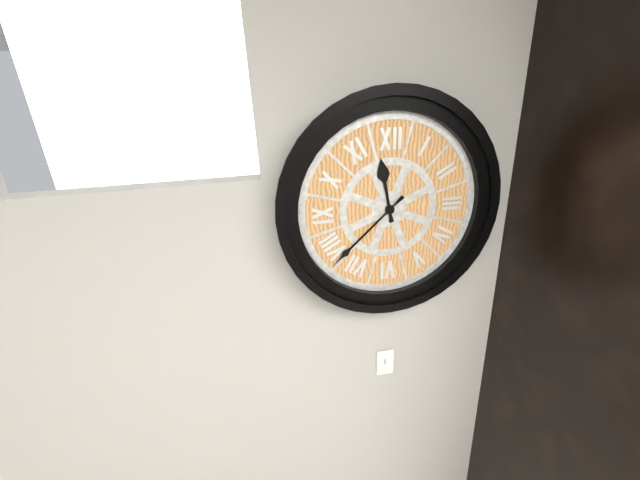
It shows 11h38
